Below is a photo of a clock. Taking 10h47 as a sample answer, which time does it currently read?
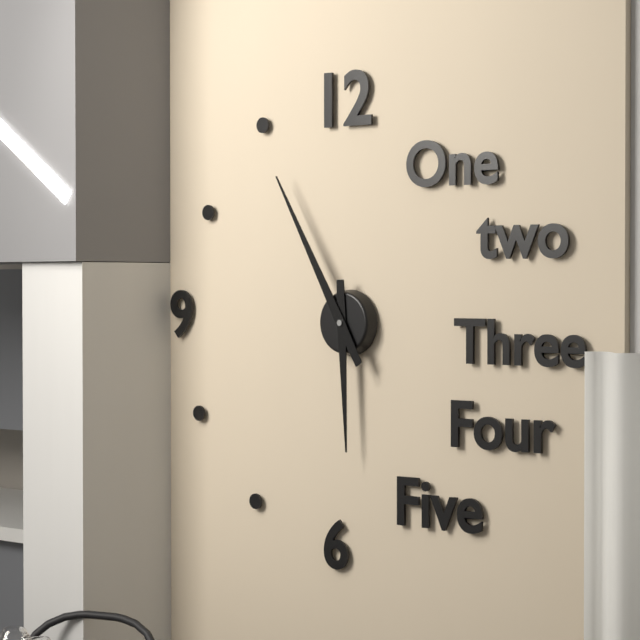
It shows 5h55
